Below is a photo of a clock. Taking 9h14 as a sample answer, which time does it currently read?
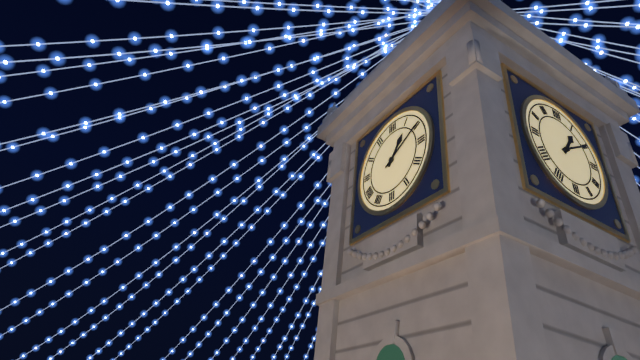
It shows 1h10
